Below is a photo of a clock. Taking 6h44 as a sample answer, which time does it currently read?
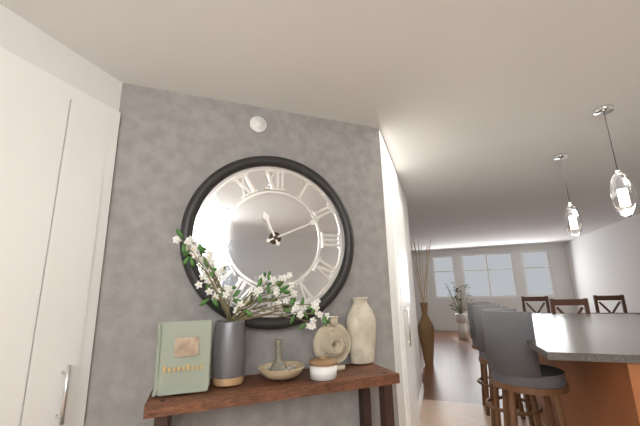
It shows 11h11
